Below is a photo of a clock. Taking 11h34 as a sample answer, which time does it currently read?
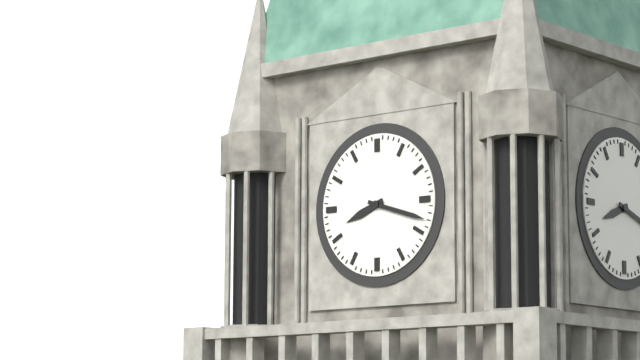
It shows 8h18
